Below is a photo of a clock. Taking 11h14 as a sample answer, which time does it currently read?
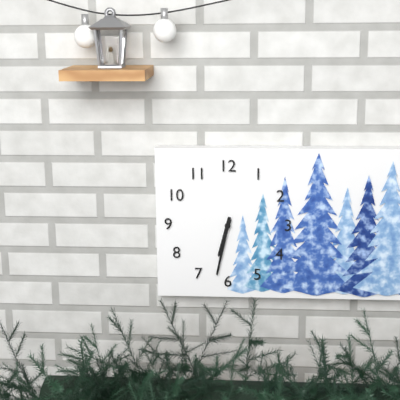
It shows 6h32
